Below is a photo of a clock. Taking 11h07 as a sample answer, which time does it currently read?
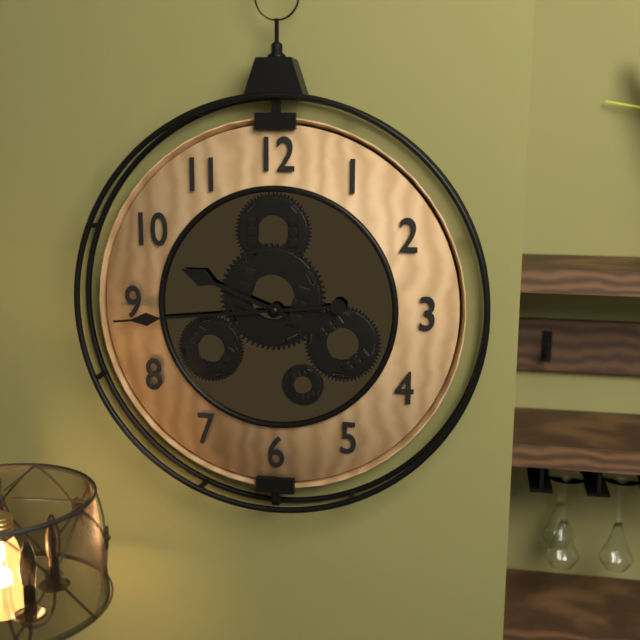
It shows 9h44
